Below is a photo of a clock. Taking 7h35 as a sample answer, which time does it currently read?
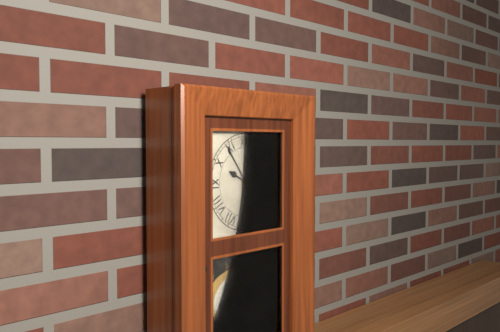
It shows 9h54
